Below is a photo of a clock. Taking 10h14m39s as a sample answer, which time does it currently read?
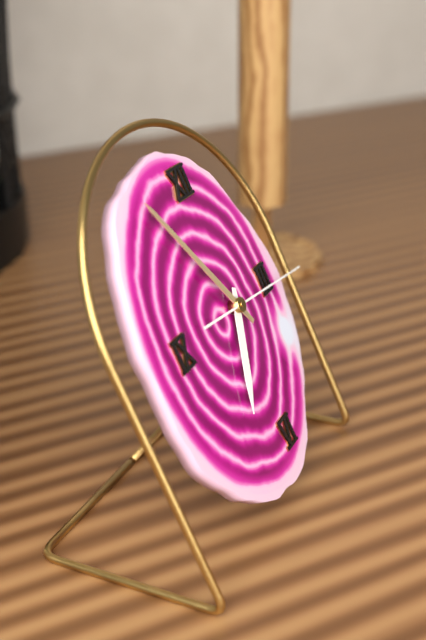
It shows 6h55m16s
